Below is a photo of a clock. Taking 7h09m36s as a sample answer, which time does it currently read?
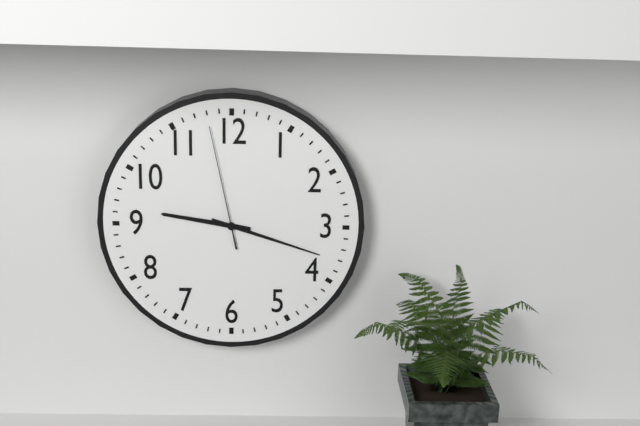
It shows 9h18m58s
